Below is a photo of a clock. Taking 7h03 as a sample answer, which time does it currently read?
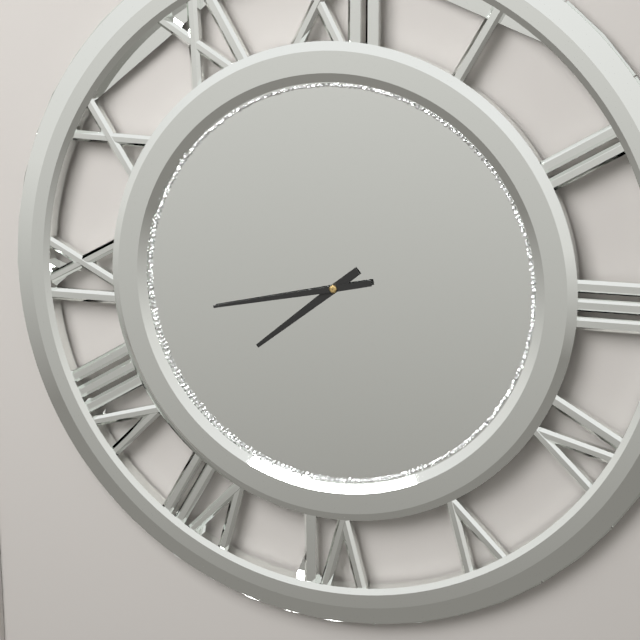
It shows 7h43
